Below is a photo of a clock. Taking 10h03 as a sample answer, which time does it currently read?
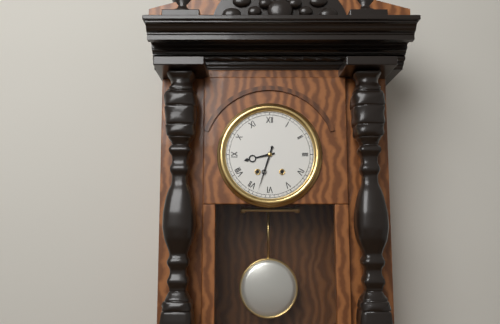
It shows 8h33
